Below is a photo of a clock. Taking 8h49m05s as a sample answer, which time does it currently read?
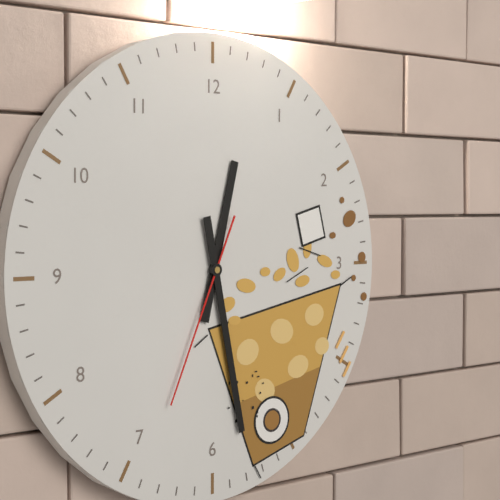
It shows 12h28m34s
